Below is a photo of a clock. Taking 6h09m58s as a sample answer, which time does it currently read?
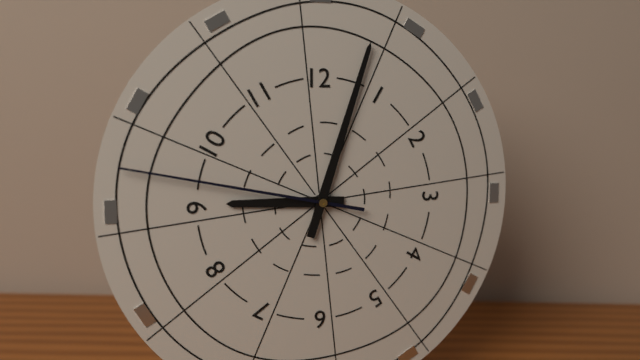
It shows 9h03m47s
